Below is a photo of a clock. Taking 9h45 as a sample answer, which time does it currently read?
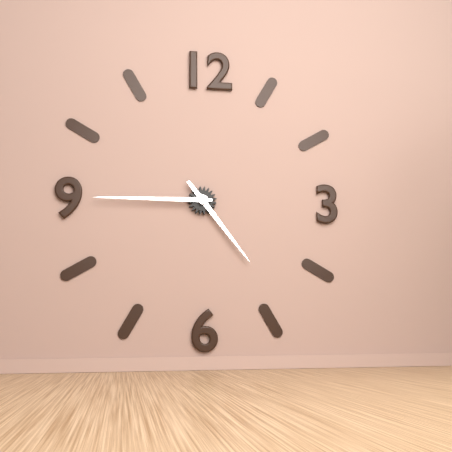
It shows 4h45
